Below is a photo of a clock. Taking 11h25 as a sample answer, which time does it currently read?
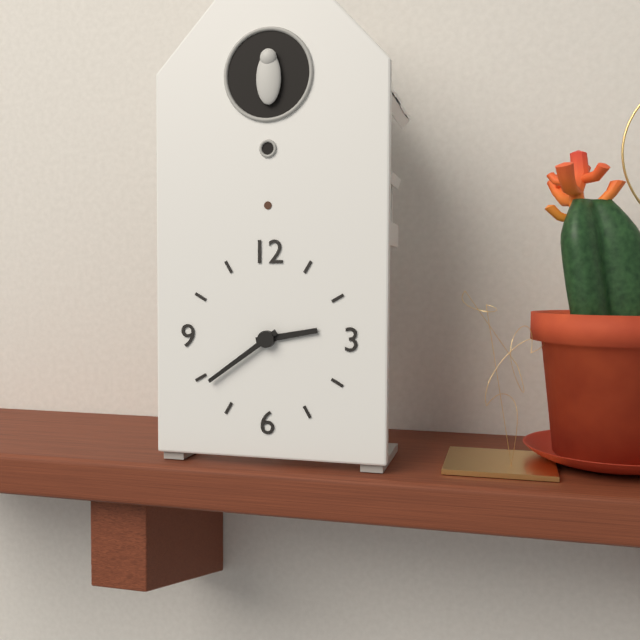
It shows 2h39
